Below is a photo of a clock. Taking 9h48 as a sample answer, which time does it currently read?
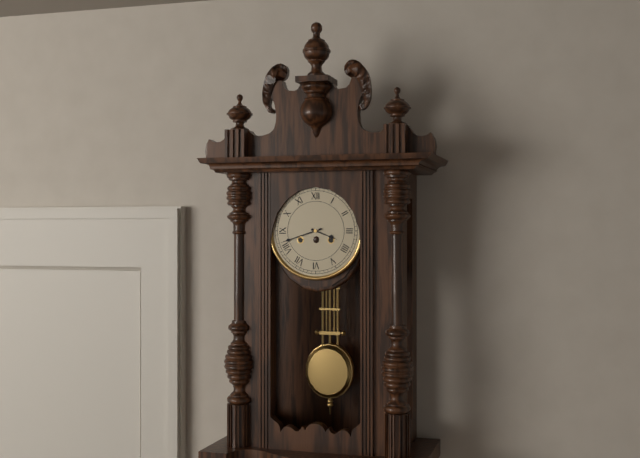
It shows 3h42
